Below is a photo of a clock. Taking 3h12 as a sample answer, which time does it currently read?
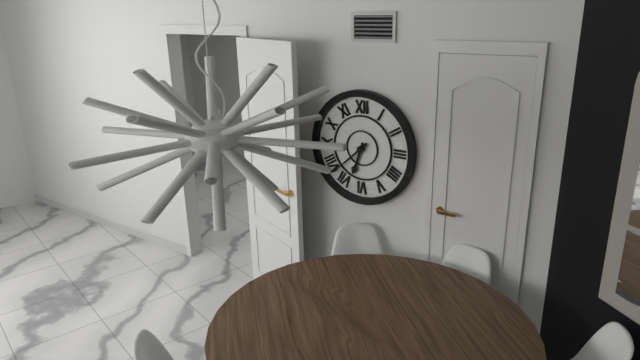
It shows 6h38
